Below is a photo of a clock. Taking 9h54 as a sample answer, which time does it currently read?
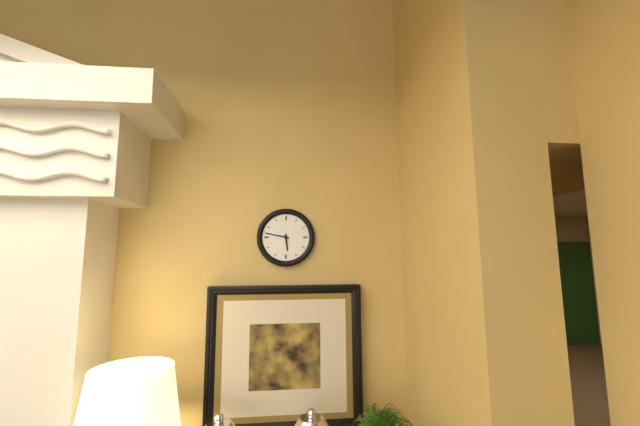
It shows 5h47
